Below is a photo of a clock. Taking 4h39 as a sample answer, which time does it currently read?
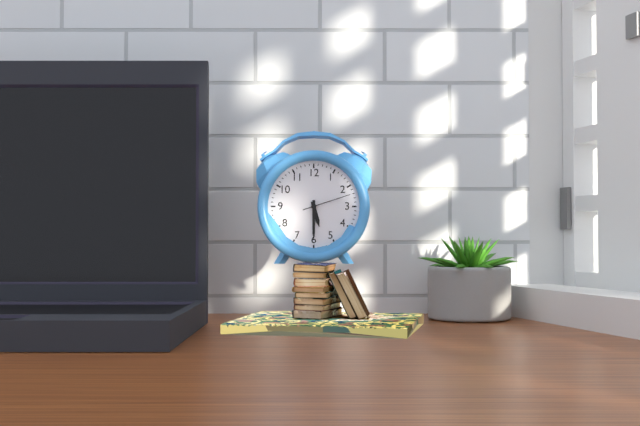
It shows 5h30
